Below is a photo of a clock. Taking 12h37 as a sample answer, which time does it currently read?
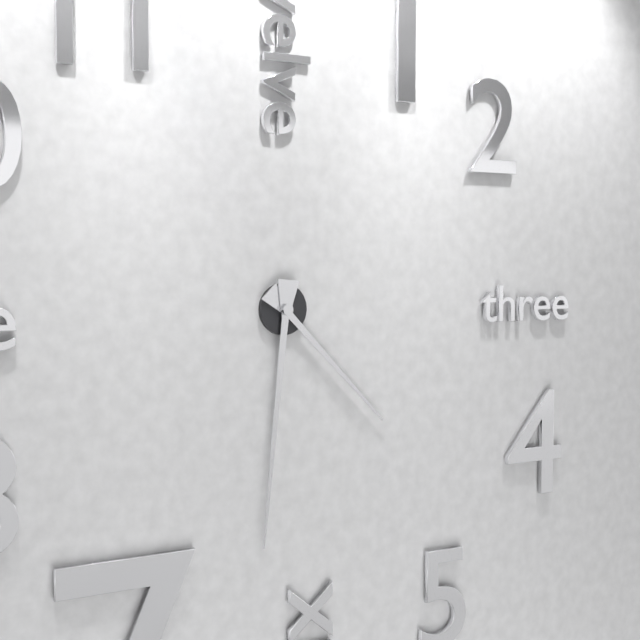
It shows 4h31
